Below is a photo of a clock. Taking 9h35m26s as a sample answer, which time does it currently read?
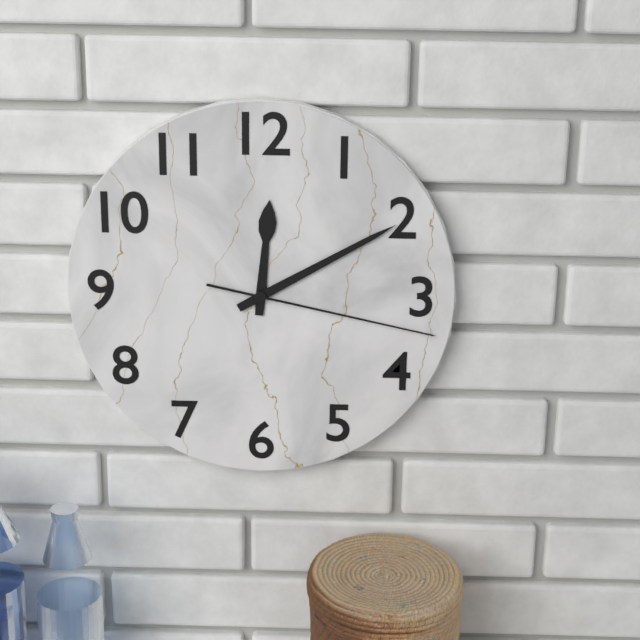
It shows 12h10m17s
